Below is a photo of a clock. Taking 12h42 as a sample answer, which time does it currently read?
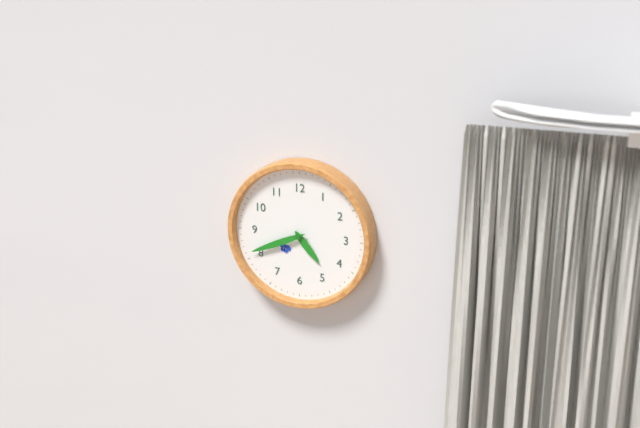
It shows 4h41
